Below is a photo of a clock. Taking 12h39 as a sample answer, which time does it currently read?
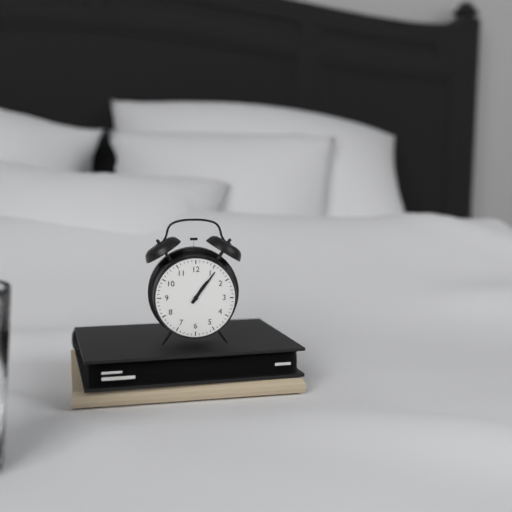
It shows 1h06
